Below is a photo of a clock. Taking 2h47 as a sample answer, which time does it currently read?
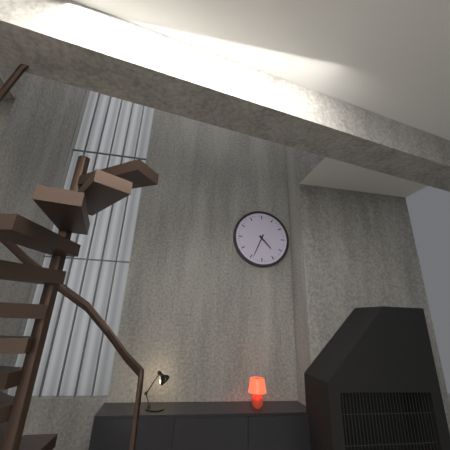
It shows 4h34
